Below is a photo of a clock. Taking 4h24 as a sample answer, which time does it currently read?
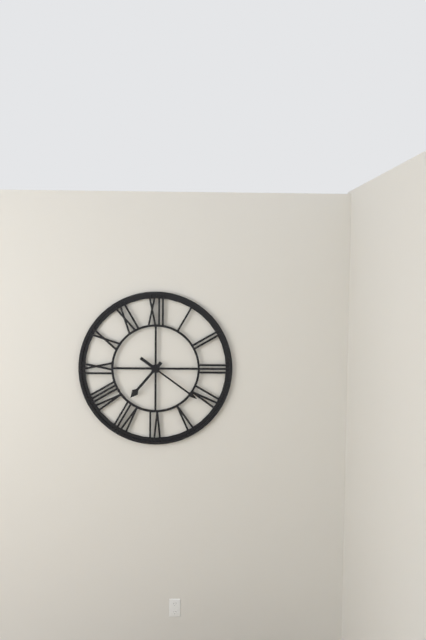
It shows 7h21
